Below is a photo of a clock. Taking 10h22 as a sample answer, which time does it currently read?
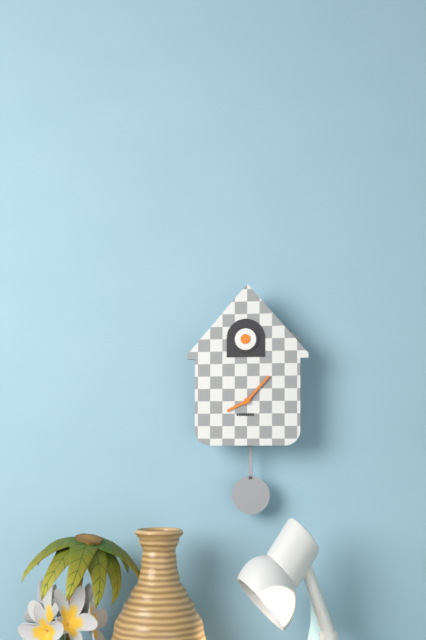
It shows 8h07
